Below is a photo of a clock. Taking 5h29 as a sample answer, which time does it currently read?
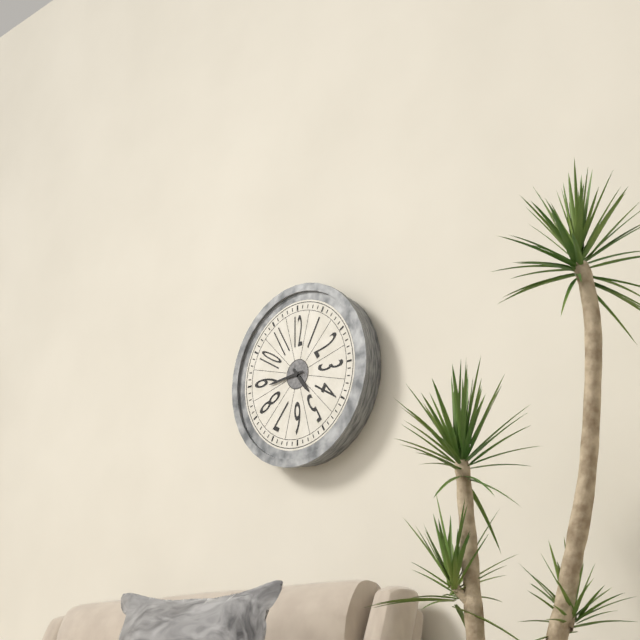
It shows 4h44
